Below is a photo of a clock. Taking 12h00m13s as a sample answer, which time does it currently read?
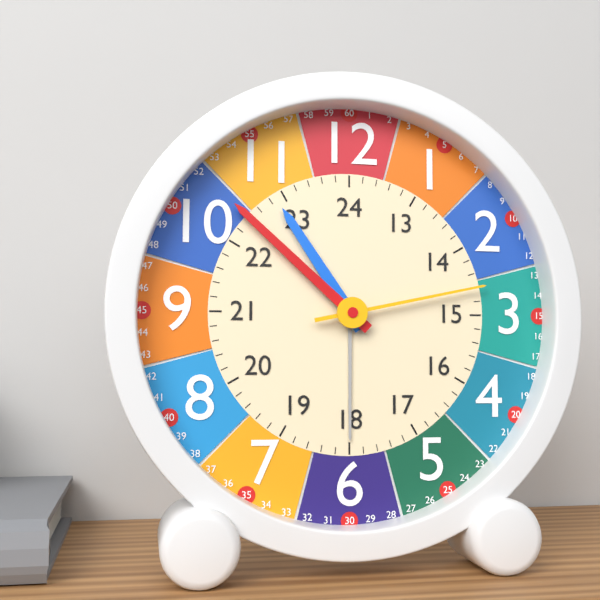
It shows 10h52m13s
